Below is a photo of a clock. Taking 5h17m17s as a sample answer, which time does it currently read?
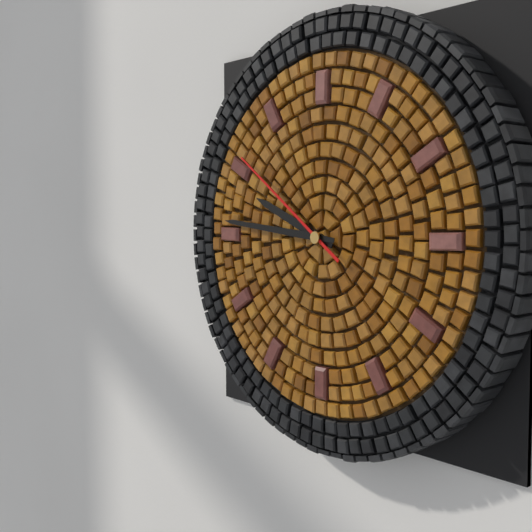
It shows 9h46m51s
